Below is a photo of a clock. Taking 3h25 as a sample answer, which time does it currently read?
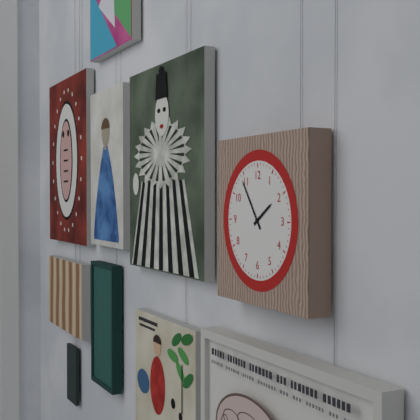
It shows 1h54
